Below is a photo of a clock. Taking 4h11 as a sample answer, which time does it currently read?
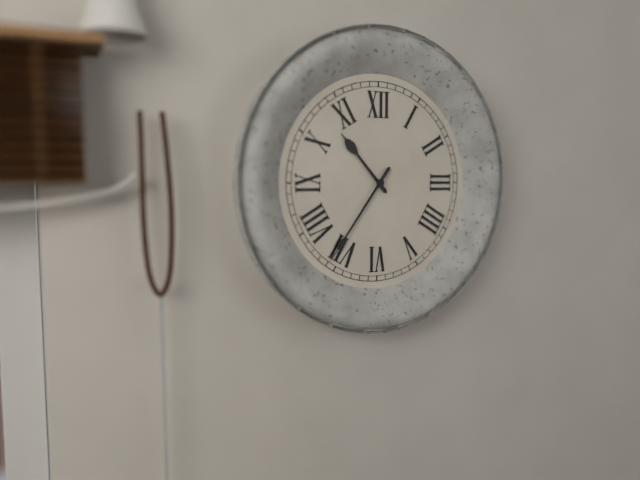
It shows 10h36
